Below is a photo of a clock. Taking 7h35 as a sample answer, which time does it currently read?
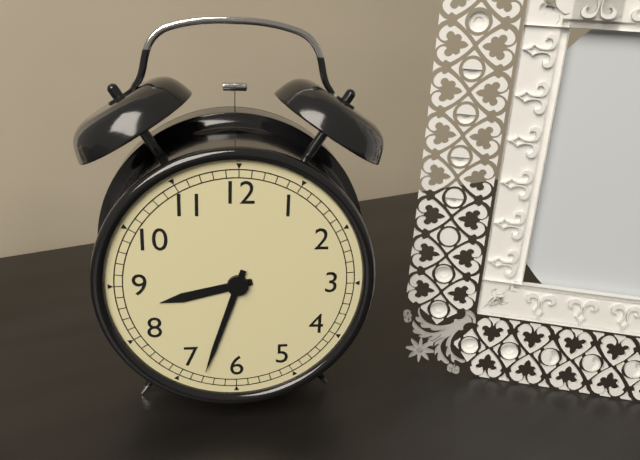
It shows 8h33
